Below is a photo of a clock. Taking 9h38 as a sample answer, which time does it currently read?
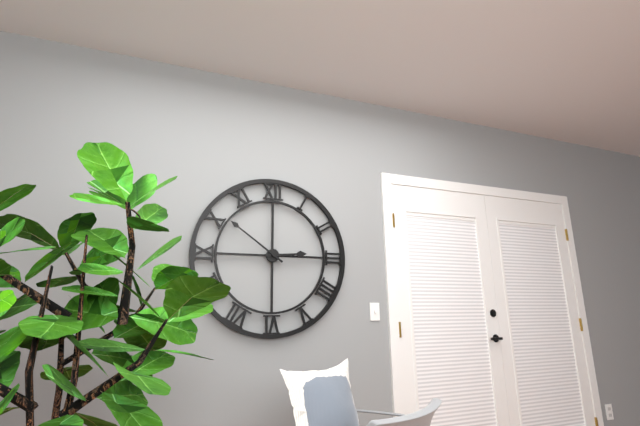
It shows 2h51
